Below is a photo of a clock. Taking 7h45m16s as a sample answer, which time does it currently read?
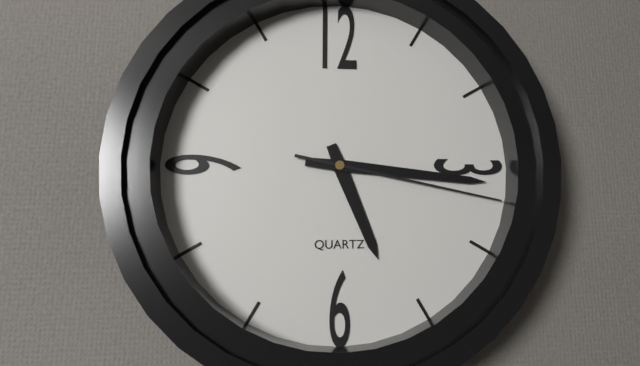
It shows 5h16m17s
